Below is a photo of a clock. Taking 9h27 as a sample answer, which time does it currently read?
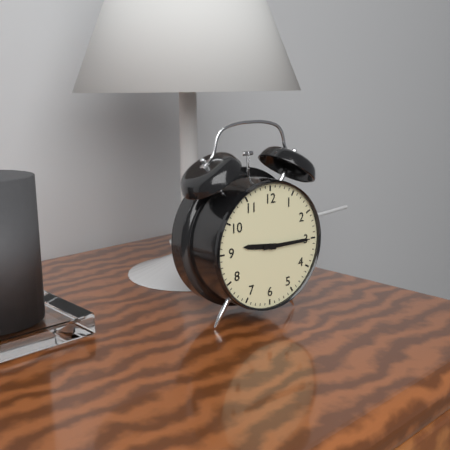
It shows 9h15
